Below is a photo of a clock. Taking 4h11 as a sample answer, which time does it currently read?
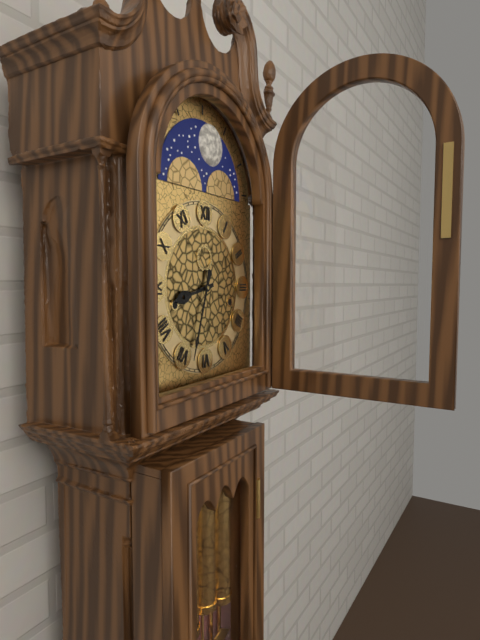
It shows 8h33
